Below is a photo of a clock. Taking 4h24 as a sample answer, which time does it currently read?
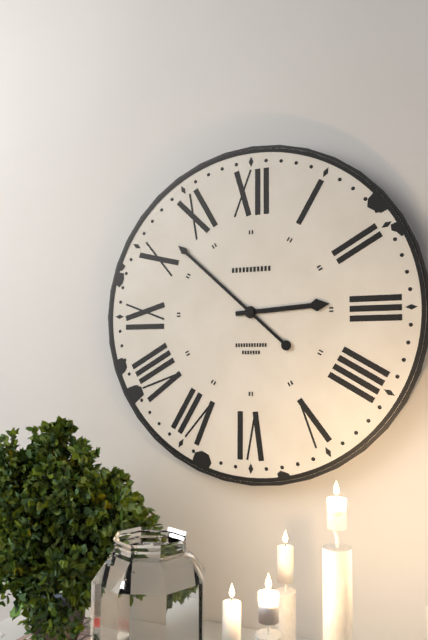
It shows 2h52
